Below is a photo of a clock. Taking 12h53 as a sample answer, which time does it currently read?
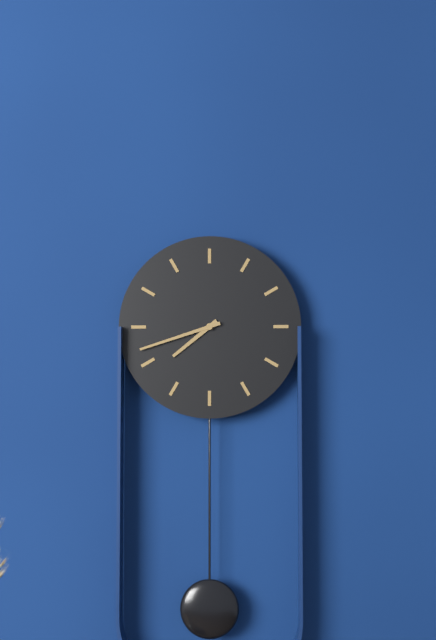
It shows 7h42
